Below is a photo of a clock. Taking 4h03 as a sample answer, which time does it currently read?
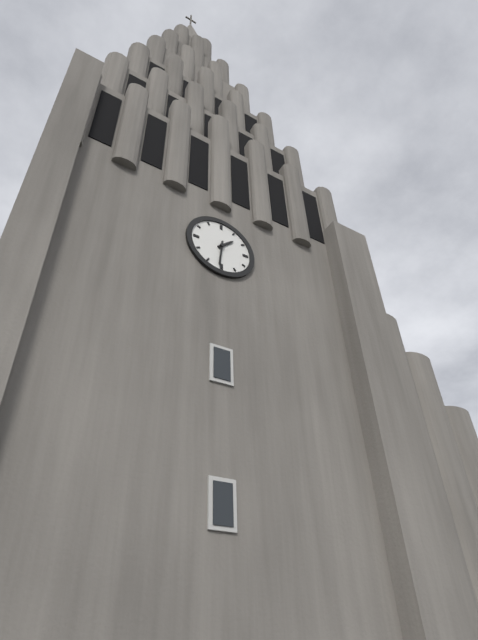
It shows 1h31
